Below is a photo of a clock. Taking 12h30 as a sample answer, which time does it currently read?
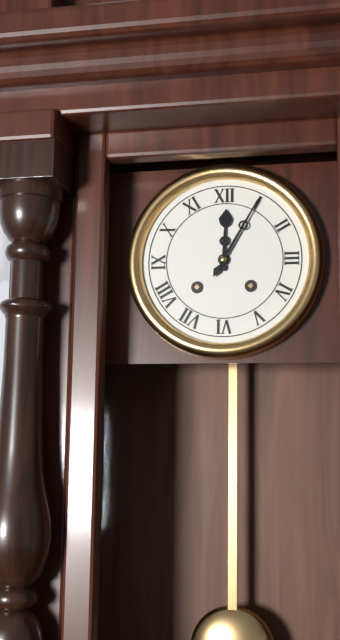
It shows 12h05
